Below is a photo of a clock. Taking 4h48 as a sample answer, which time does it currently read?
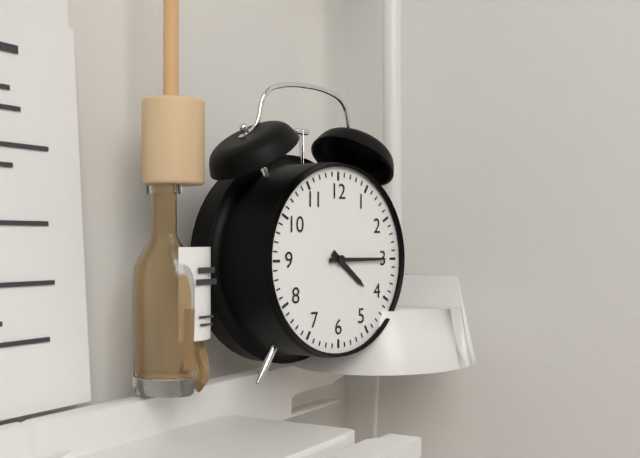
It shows 4h15
